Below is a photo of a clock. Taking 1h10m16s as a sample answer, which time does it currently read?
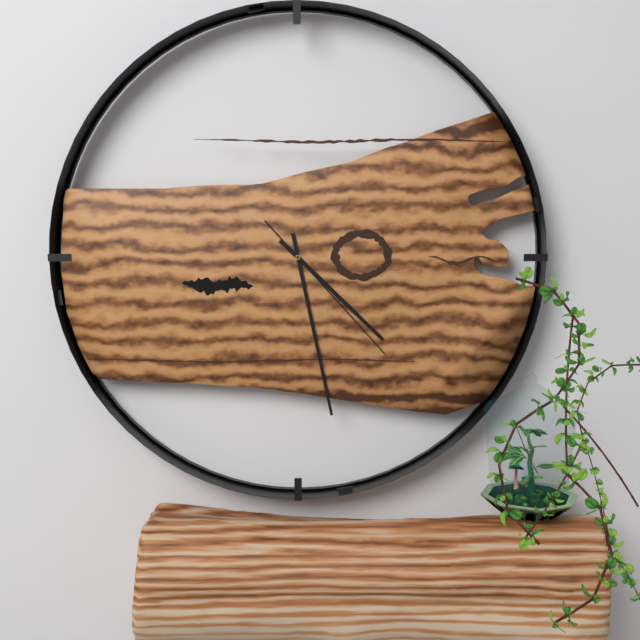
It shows 4h28m23s
